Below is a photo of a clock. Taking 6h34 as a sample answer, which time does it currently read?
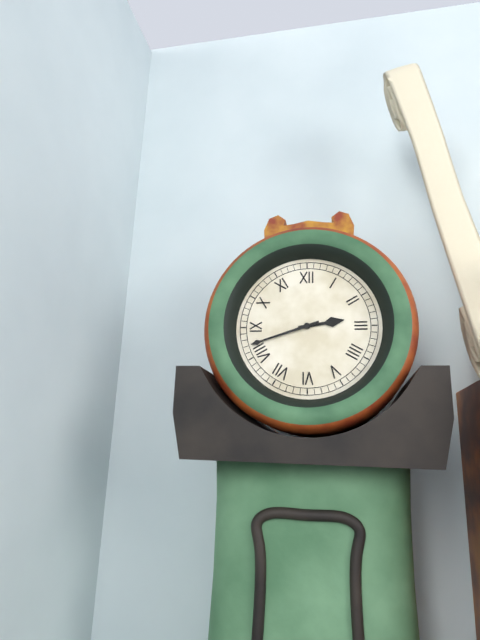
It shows 2h42
